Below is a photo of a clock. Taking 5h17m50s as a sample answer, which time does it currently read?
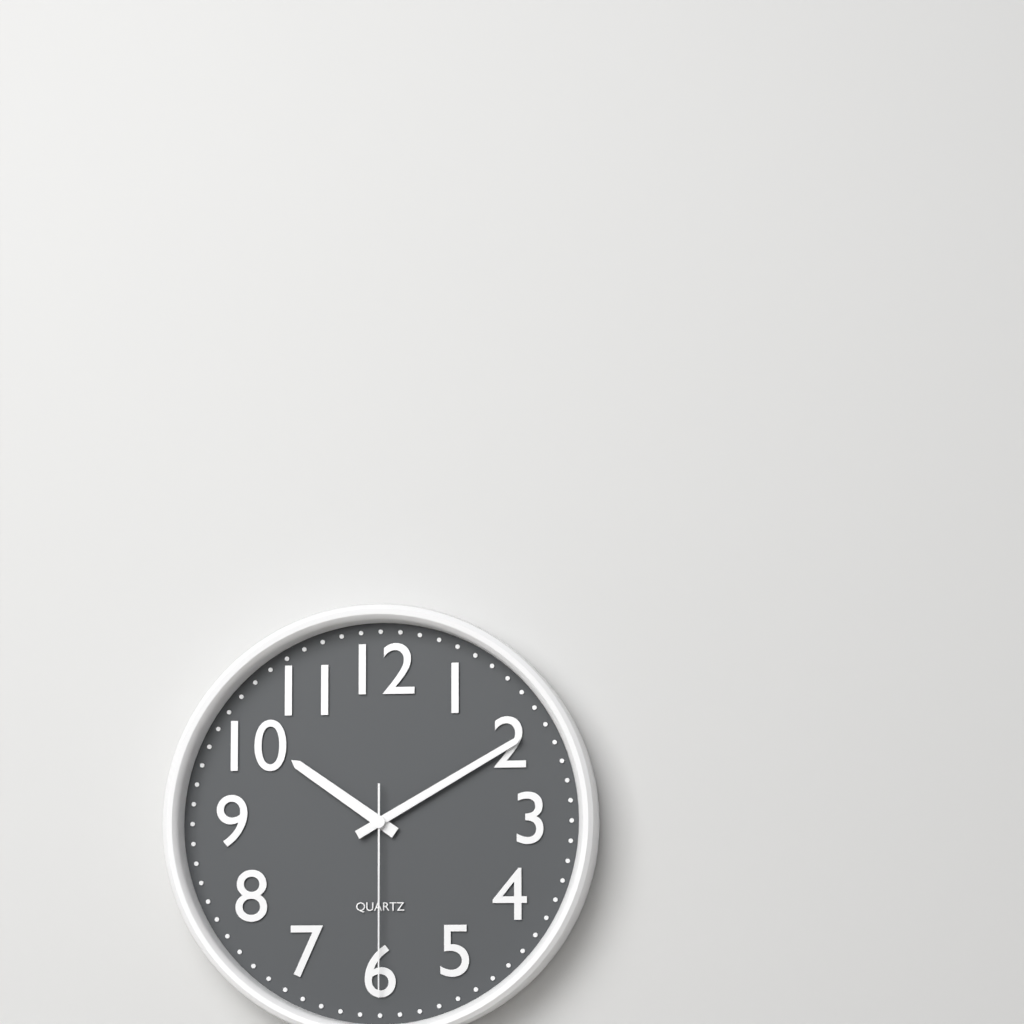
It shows 10h10m30s
